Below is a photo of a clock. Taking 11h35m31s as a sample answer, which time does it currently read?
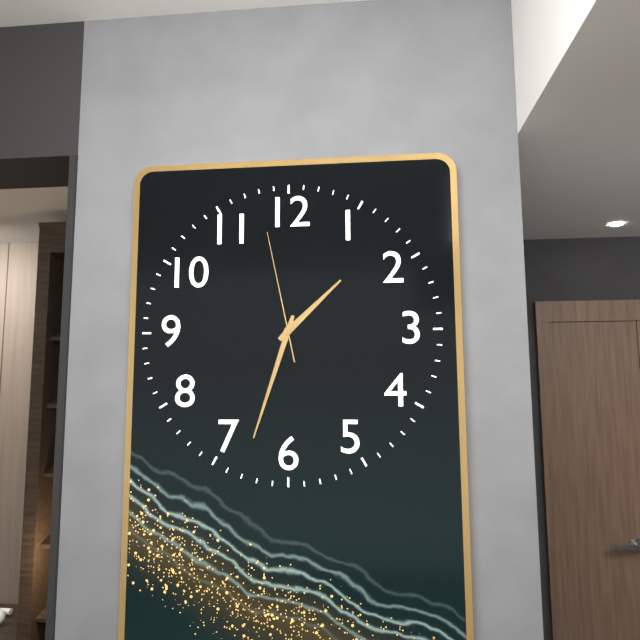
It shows 1h33m58s
